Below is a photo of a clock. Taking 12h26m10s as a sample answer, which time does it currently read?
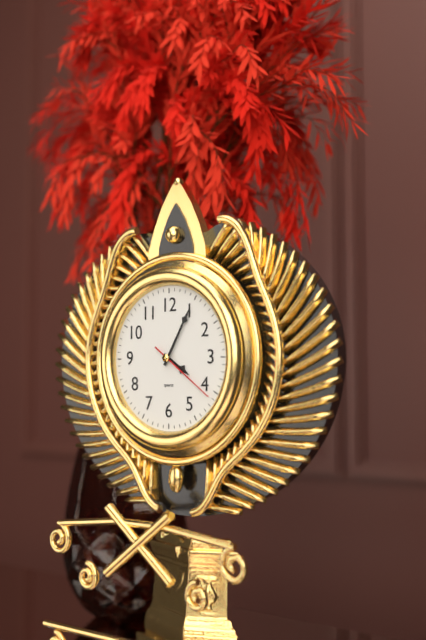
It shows 4h05m21s
